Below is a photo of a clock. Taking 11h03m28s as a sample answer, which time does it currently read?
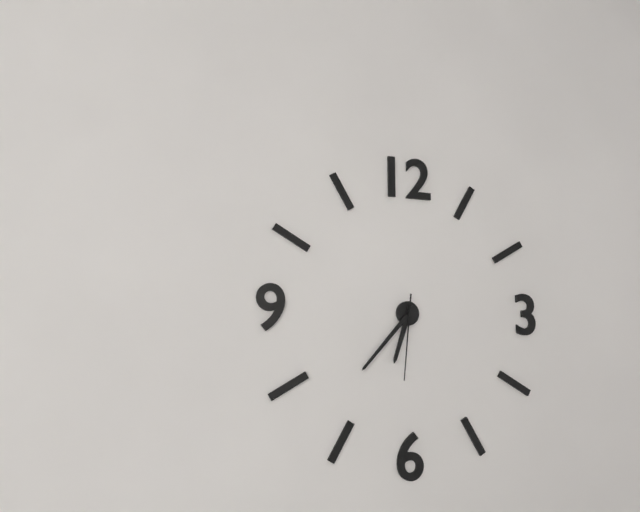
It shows 6h37m31s
